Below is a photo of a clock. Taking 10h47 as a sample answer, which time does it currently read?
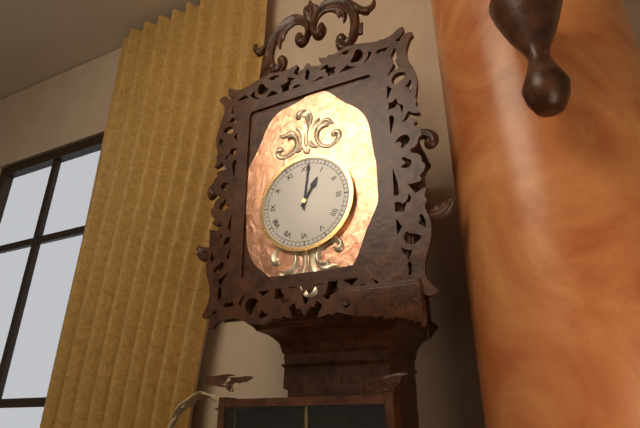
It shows 1h01
